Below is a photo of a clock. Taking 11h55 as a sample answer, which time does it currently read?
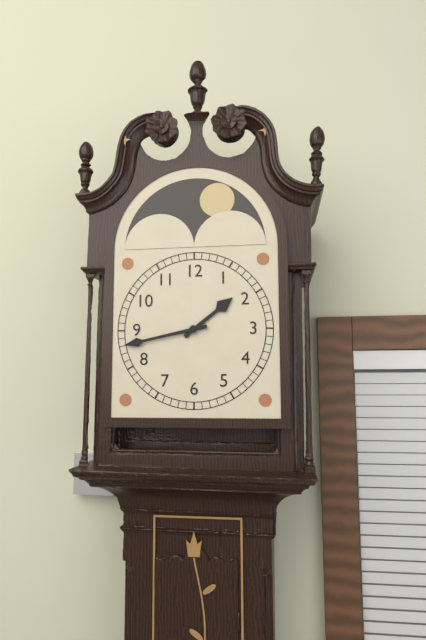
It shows 1h43
